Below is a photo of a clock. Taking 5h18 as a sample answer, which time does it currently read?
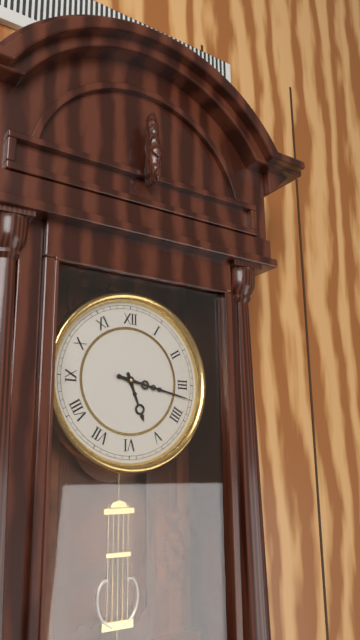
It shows 5h17
